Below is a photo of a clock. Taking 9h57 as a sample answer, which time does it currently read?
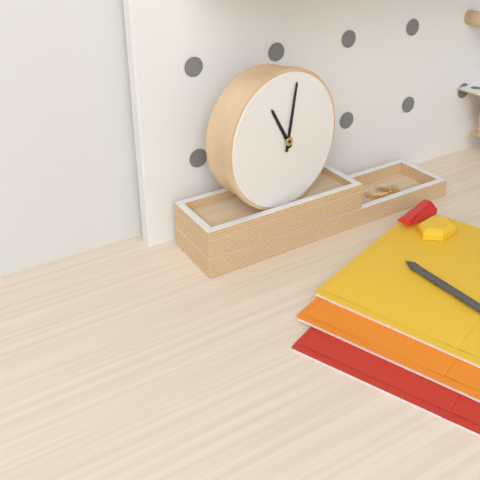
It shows 11h02
